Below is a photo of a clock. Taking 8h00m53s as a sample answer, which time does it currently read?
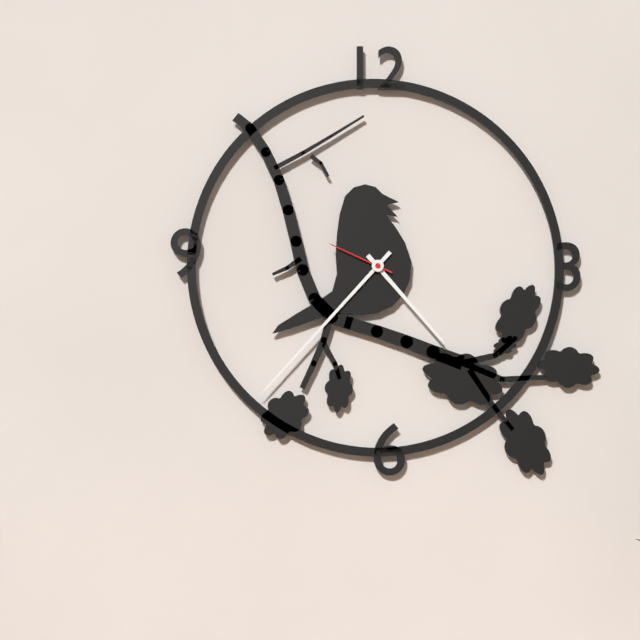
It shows 4h37m49s
